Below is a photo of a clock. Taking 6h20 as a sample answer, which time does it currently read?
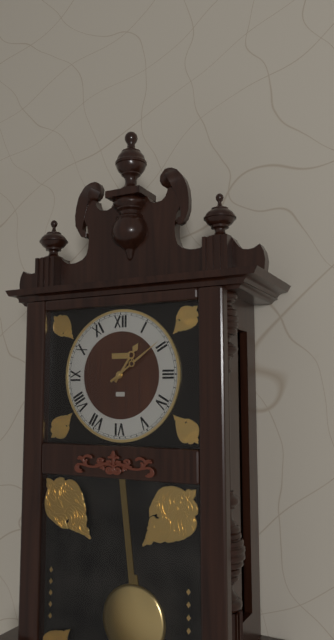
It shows 1h09
